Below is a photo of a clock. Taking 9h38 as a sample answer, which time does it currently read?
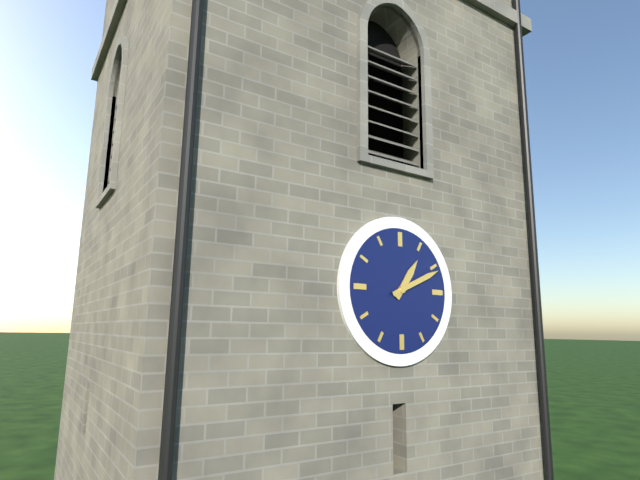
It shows 1h11
